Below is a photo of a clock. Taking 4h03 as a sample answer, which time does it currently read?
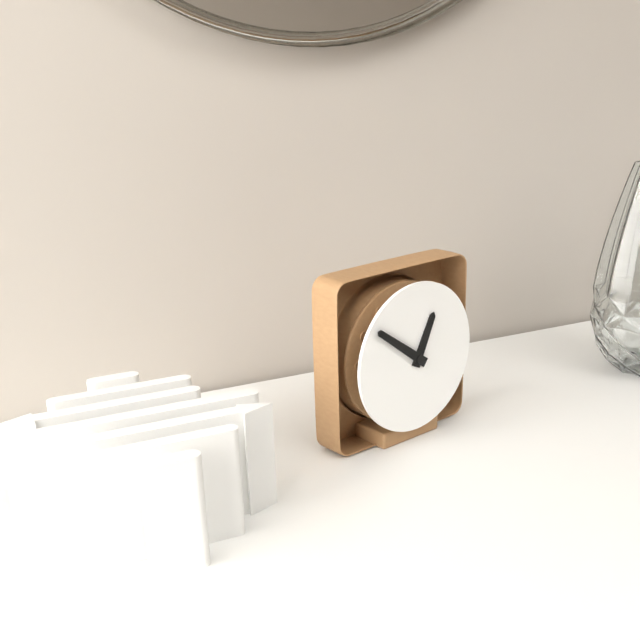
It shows 12h51
